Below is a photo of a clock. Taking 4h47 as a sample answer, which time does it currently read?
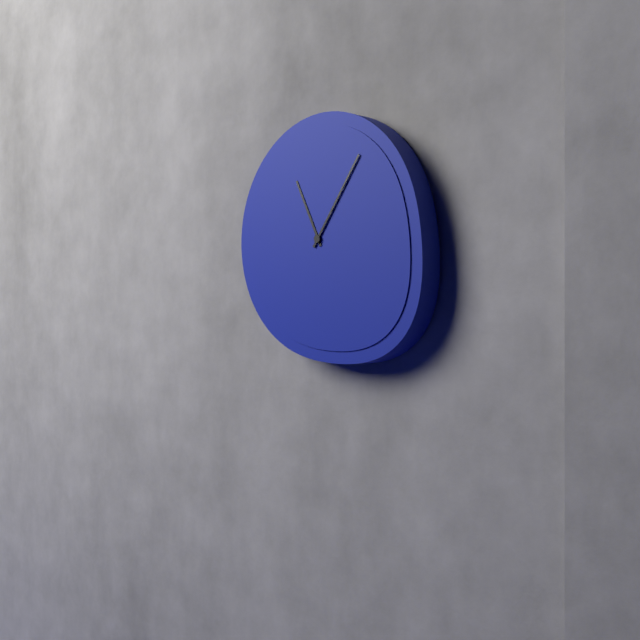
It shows 11h06
